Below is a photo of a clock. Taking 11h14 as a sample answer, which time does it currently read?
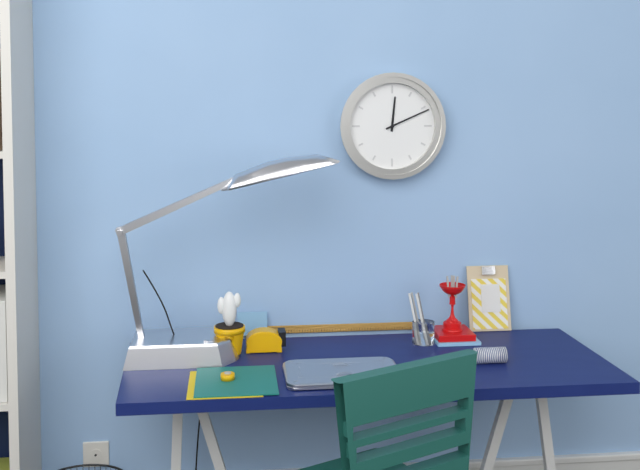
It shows 12h11
